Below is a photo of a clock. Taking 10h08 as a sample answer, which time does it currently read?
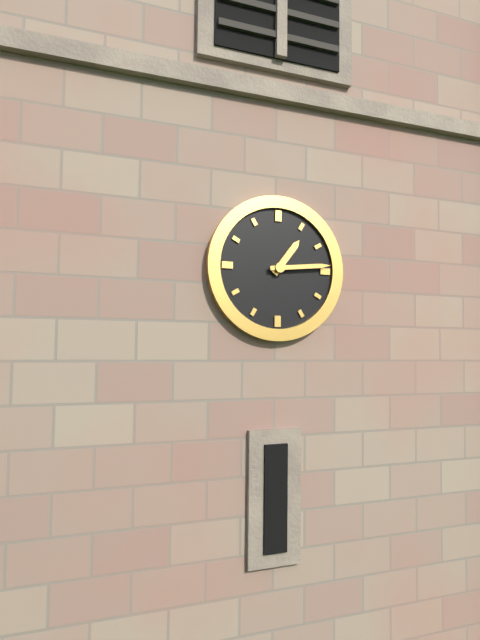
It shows 1h14
